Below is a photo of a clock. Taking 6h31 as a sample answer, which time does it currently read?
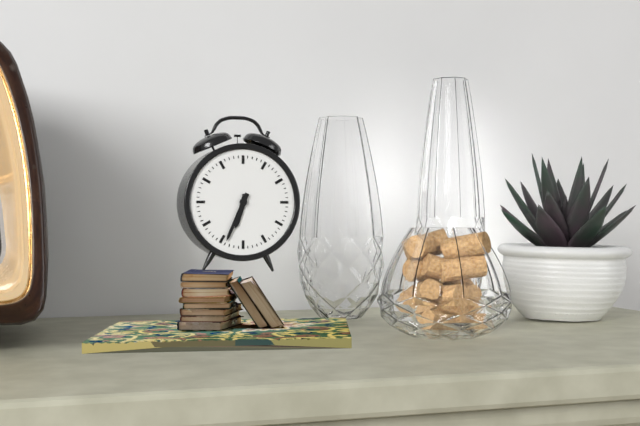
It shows 6h34
